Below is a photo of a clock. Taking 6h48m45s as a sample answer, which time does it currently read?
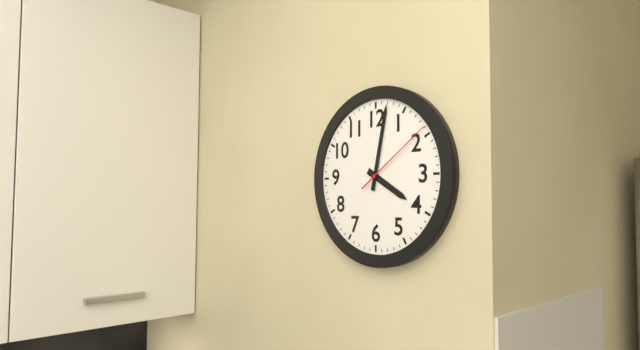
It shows 4h02m09s
